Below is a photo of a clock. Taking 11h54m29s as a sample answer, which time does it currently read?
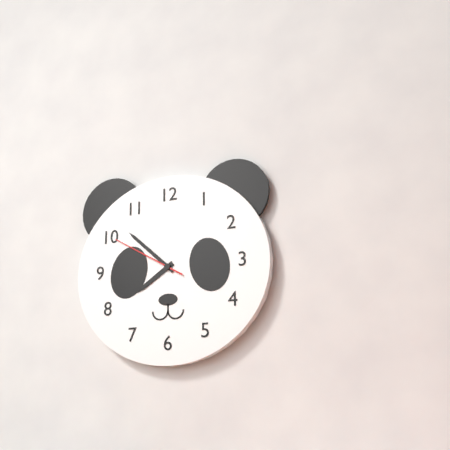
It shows 7h52m50s
